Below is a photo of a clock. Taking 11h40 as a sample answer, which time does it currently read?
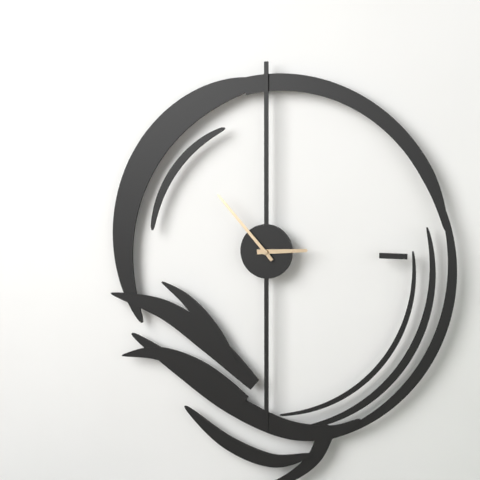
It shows 2h53
